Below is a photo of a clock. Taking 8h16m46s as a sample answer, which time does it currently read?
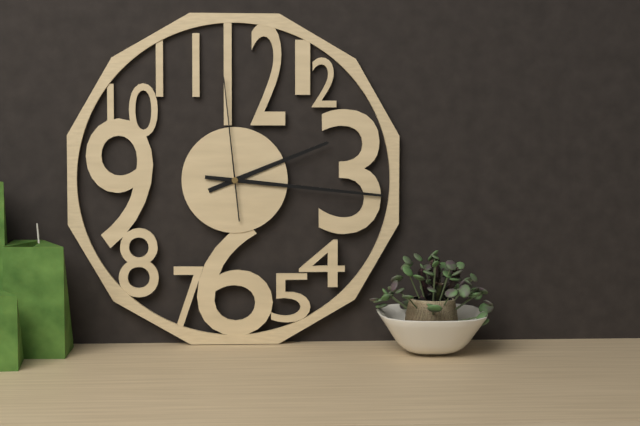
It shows 2h16m59s
